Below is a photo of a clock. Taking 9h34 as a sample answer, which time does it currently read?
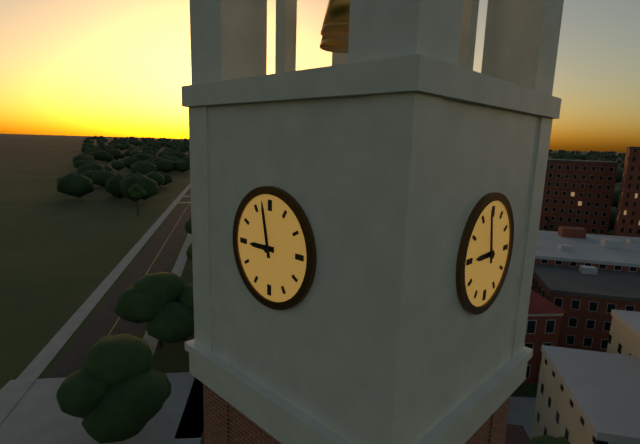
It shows 8h58
